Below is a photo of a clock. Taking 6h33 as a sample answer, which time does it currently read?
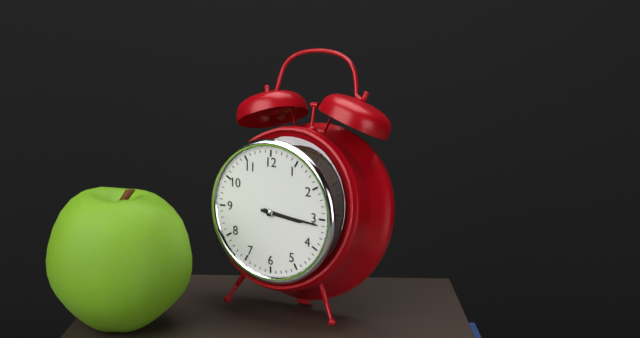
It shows 3h16
